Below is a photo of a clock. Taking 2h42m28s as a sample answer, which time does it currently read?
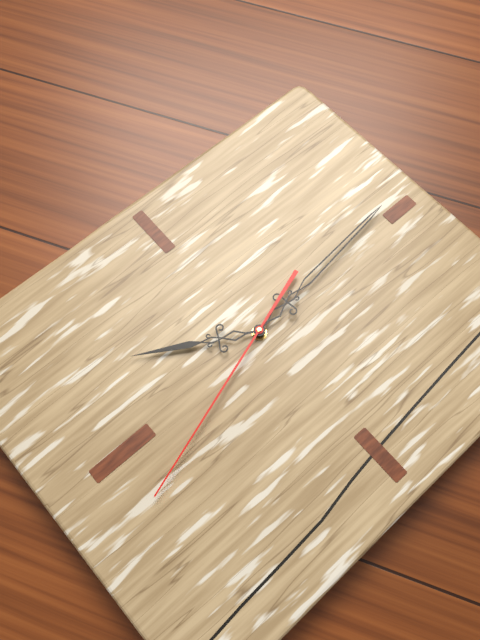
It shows 6h59m27s
